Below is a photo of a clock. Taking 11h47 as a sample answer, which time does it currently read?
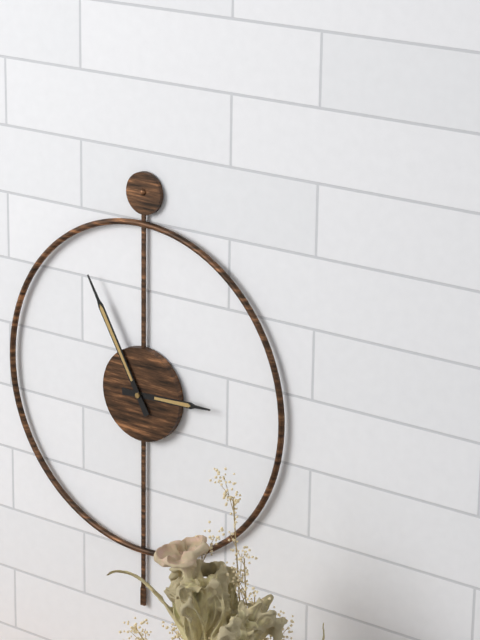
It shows 2h55
